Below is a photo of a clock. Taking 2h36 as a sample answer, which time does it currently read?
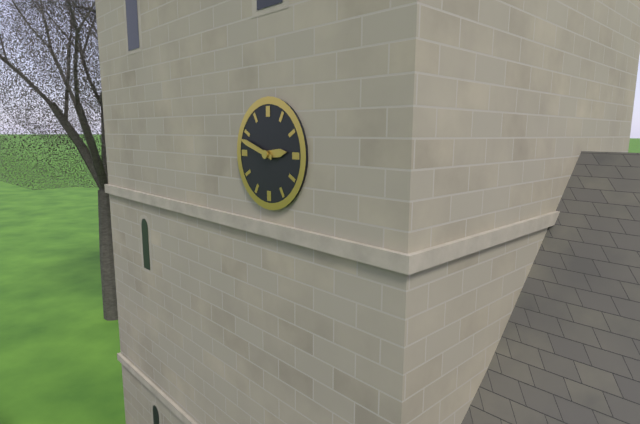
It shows 2h48
